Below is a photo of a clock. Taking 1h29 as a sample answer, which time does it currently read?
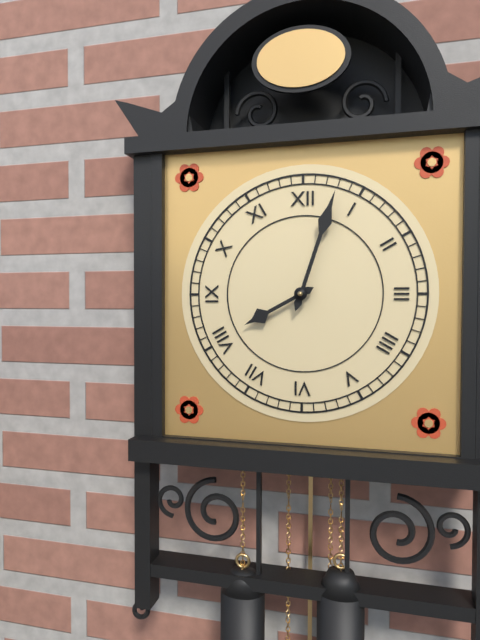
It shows 8h03
